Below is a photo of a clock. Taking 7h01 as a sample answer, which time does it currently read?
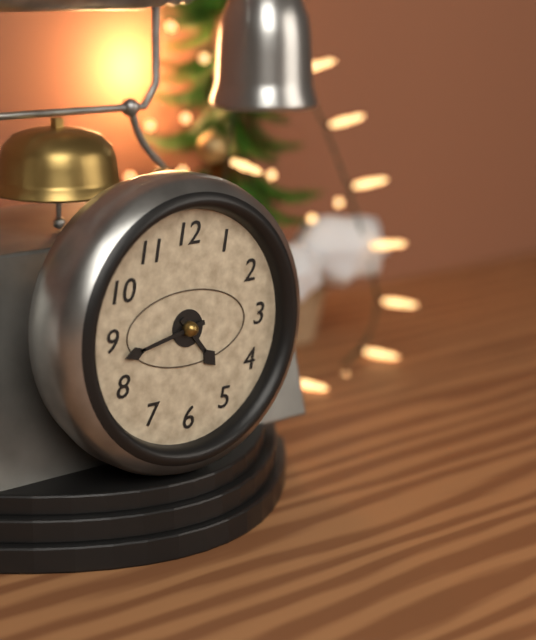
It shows 4h43
